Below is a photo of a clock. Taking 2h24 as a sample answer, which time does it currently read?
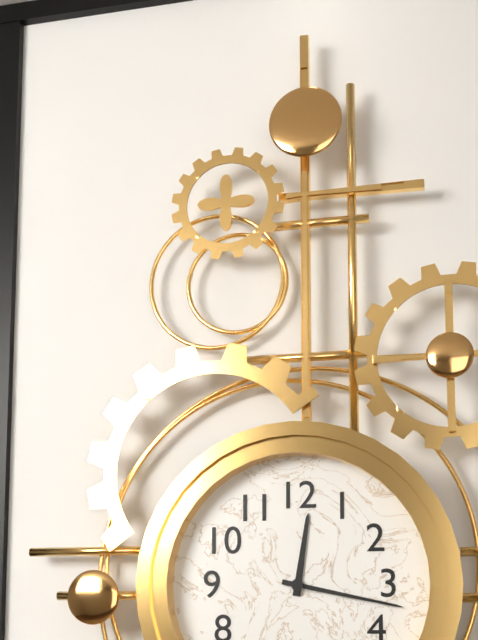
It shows 12h17
